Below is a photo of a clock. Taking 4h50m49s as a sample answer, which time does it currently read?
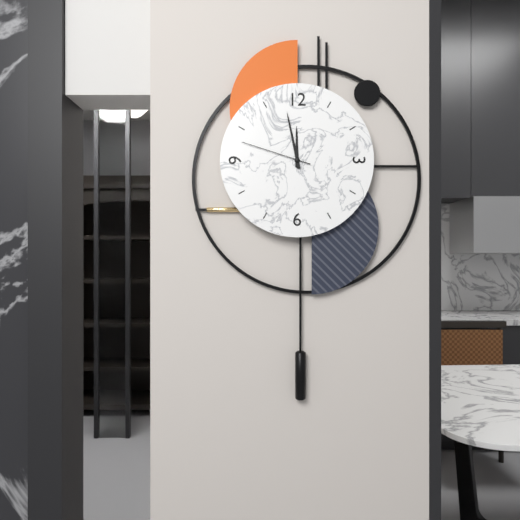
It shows 11h58m48s
